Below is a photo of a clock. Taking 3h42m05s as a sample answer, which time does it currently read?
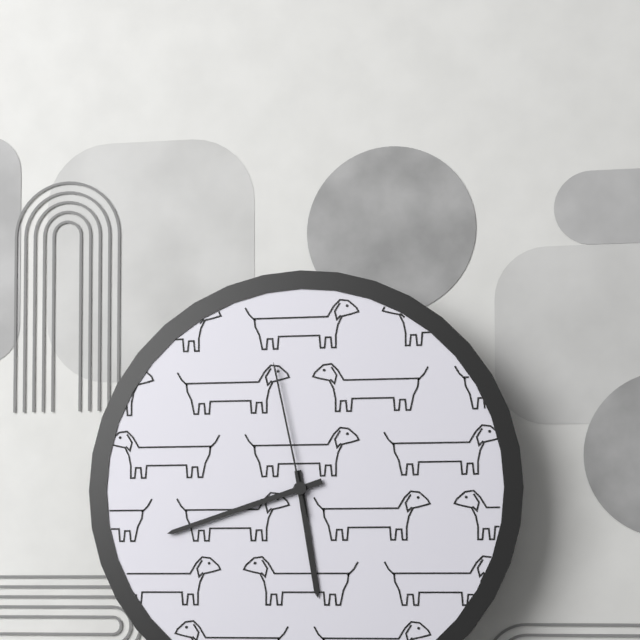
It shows 5h42m58s
